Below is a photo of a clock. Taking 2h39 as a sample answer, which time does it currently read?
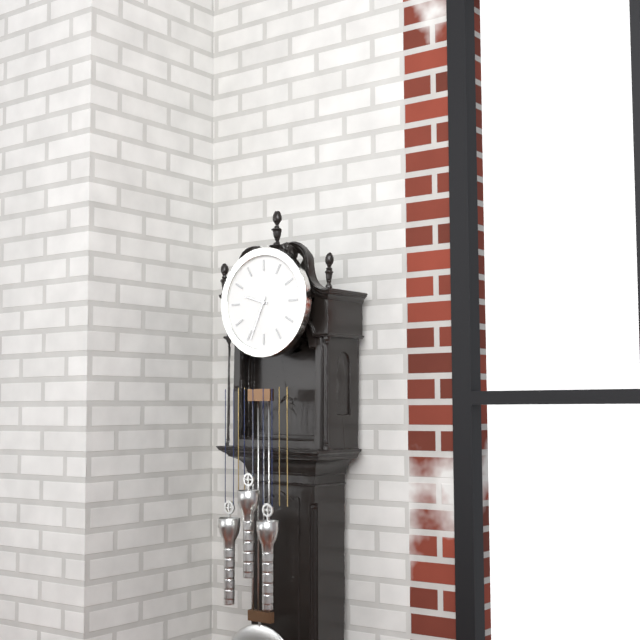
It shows 9h34
